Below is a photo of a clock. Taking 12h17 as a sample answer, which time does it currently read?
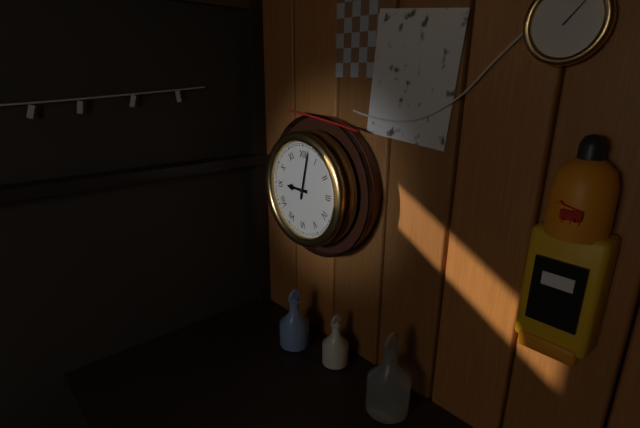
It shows 9h02
